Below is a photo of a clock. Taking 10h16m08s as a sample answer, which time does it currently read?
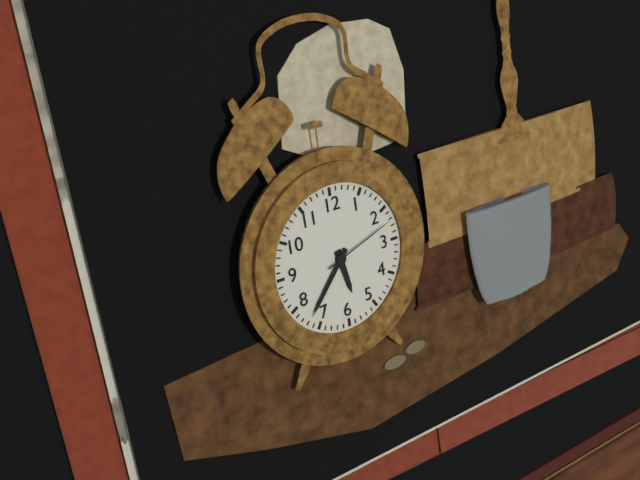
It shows 5h37m12s
